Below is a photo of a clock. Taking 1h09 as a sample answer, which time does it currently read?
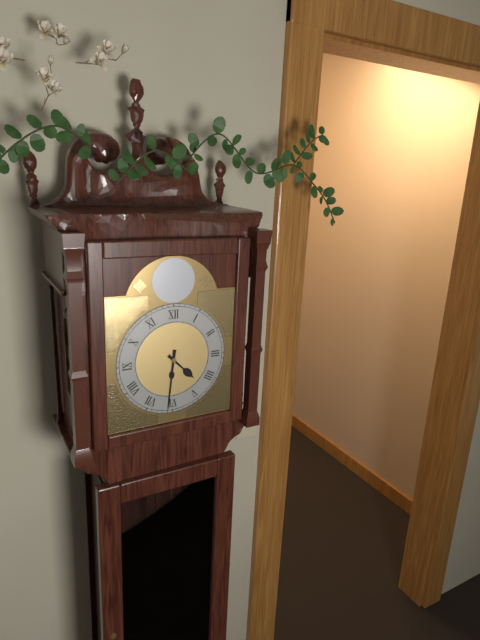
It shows 4h31
